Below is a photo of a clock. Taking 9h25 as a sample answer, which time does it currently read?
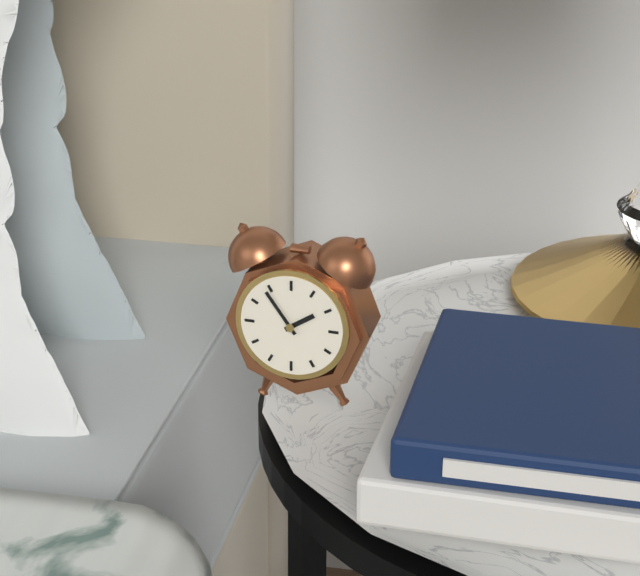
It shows 1h54
